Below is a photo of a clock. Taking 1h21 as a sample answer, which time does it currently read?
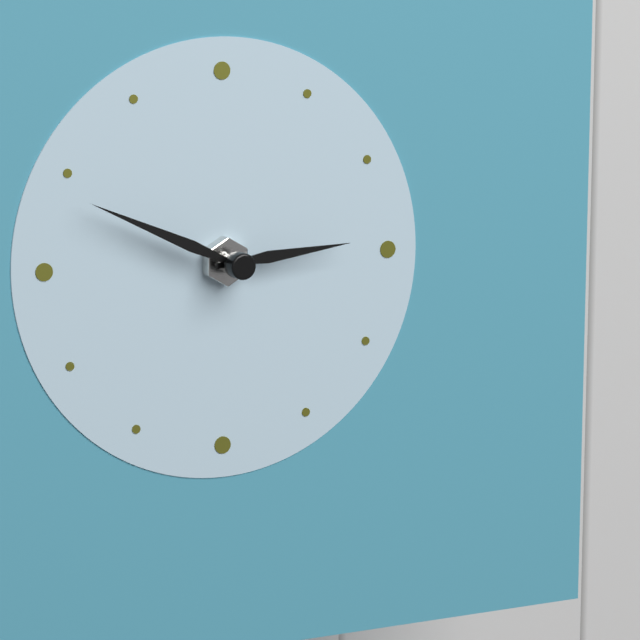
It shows 2h49
